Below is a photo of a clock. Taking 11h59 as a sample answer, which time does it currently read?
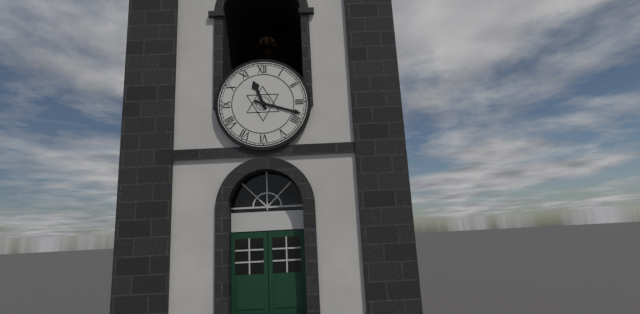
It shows 11h18
